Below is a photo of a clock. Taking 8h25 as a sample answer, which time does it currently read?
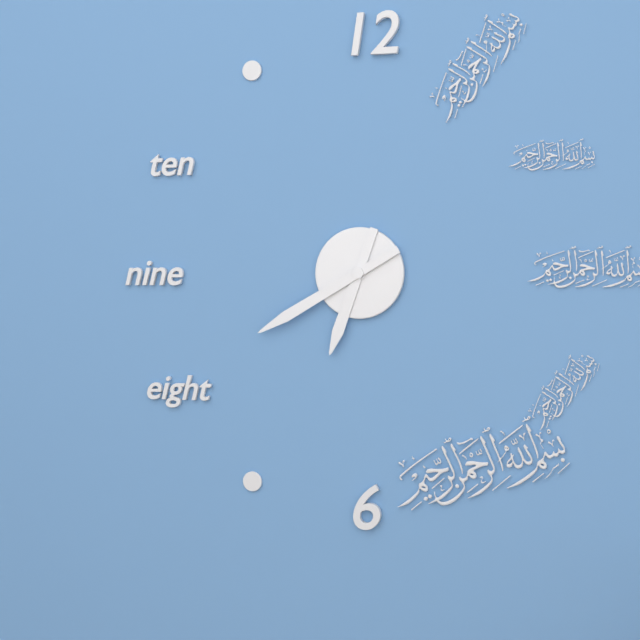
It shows 6h40
